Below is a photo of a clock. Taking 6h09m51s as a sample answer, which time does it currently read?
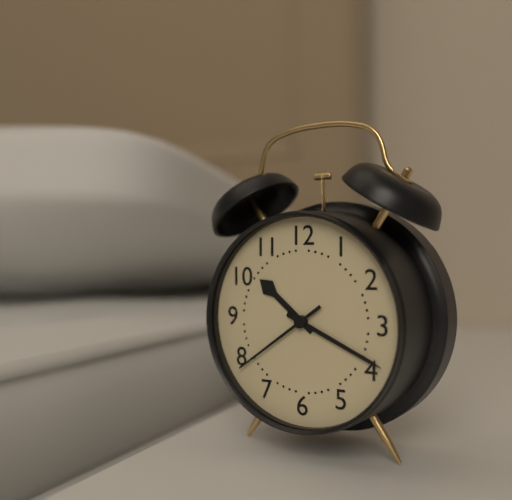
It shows 10h19m39s
